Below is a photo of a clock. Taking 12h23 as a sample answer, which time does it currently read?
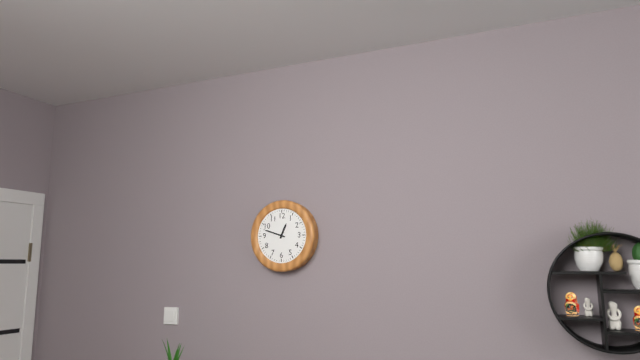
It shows 12h48
